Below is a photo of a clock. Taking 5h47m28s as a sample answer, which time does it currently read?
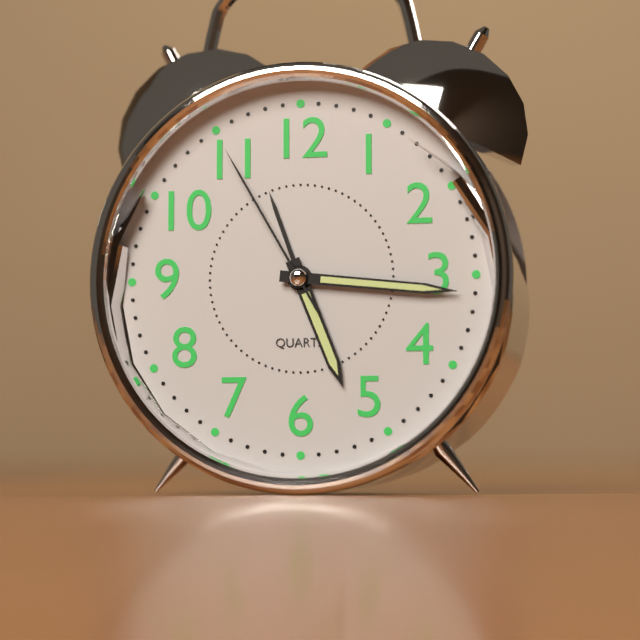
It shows 5h16m55s
